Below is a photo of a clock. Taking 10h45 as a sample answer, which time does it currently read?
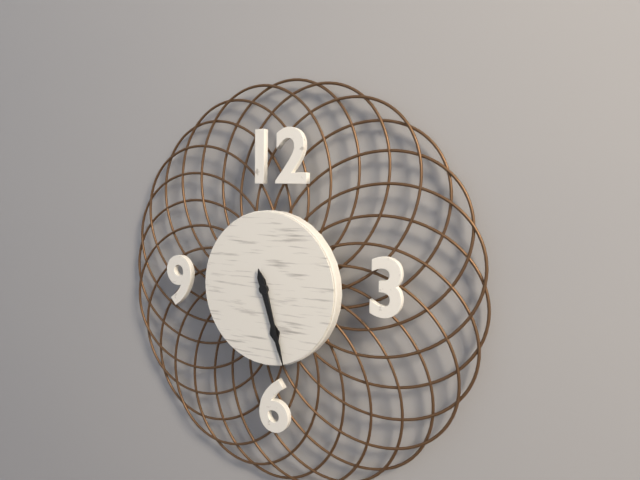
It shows 5h27
